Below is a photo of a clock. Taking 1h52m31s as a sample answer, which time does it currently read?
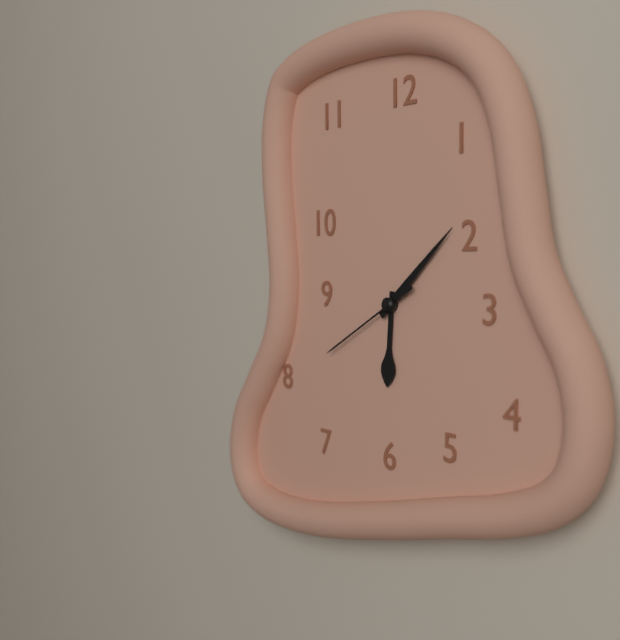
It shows 6h08m40s
